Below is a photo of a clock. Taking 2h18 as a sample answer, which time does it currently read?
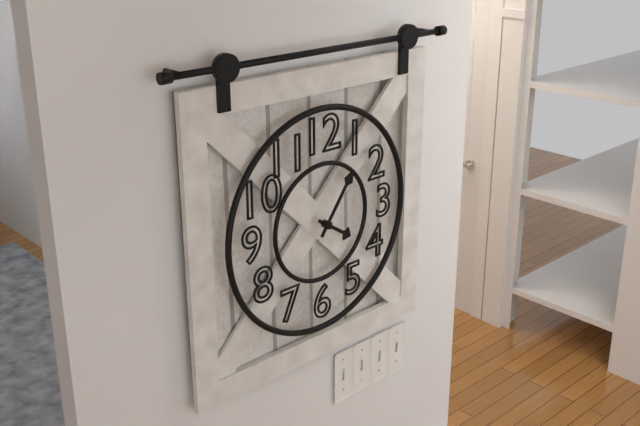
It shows 4h06
